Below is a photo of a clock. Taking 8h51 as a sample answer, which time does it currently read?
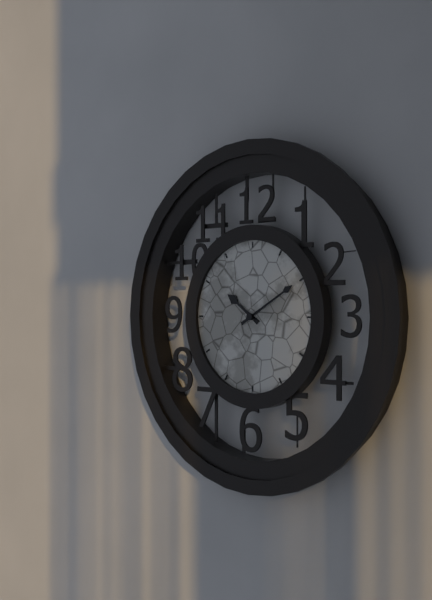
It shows 10h10
